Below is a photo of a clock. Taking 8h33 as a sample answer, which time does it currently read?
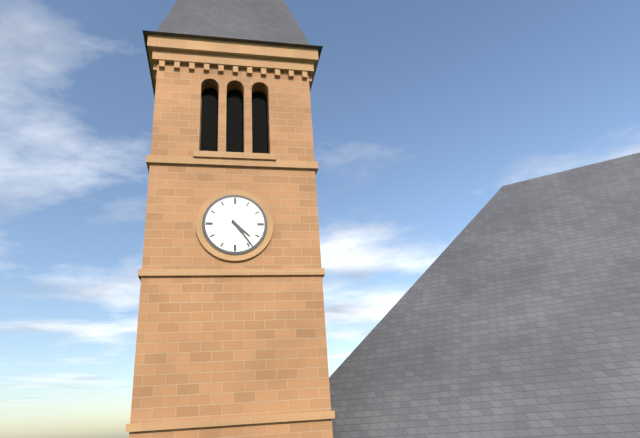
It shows 4h24
